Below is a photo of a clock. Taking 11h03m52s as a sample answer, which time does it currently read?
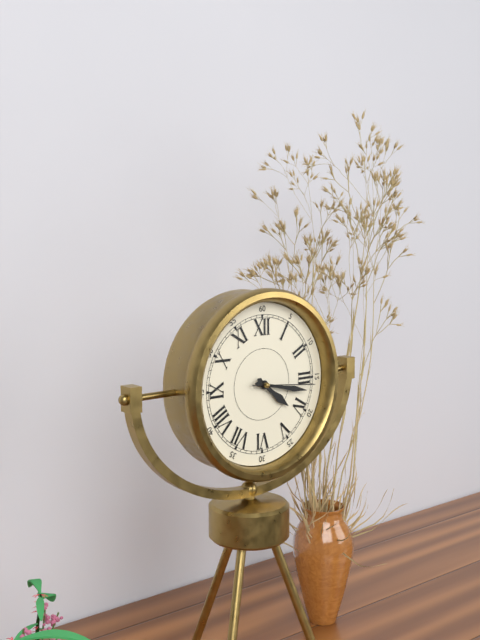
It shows 4h17m16s
